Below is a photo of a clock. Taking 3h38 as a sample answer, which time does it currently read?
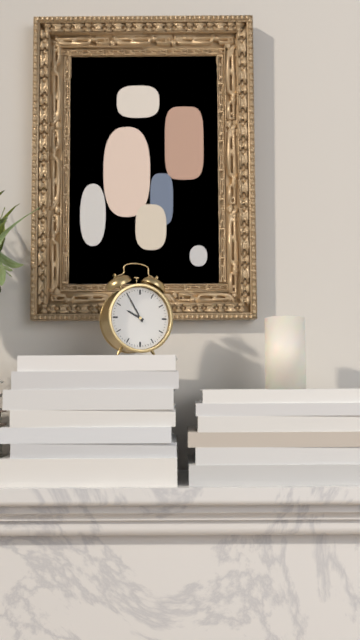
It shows 9h55
